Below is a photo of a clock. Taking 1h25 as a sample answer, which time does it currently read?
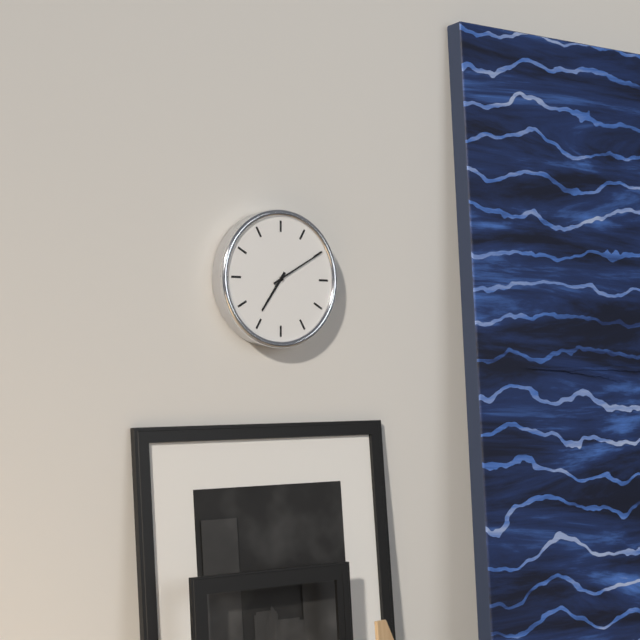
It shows 7h10
